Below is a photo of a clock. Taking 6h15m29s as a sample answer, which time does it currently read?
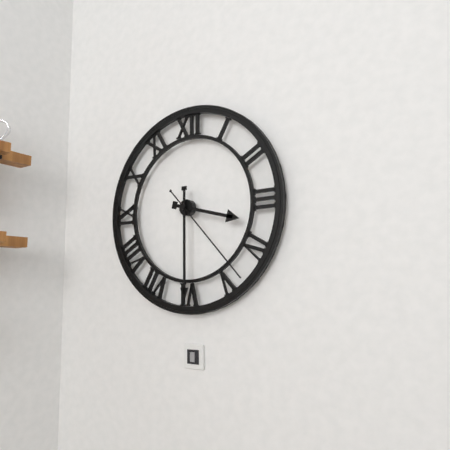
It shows 3h30m23s
